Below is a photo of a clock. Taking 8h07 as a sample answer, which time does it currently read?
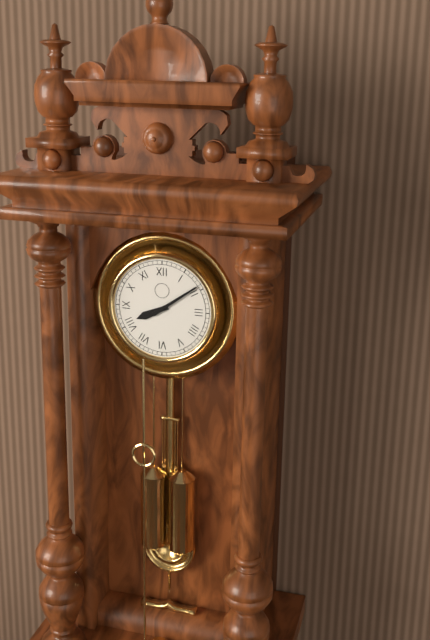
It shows 8h09
